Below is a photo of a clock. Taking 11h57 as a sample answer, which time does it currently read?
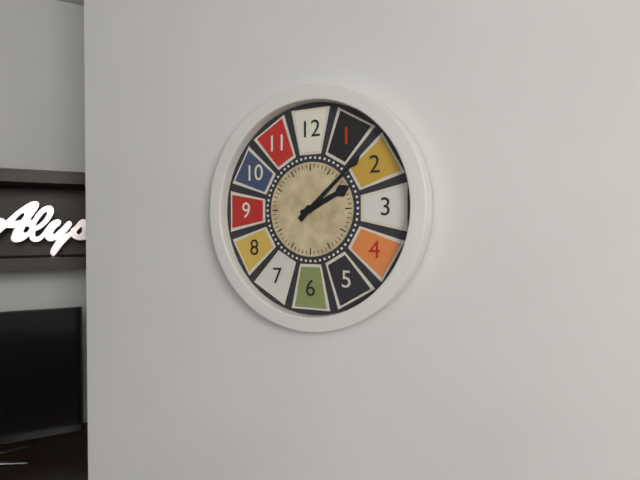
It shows 2h08
